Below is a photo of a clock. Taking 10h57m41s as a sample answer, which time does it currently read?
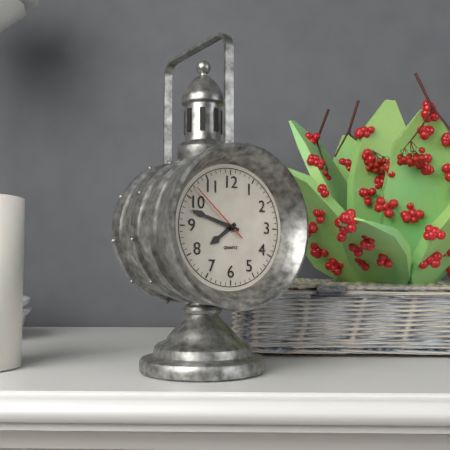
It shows 7h48m52s
